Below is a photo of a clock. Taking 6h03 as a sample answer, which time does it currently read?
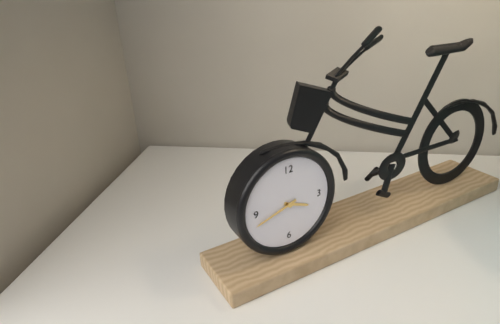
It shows 3h42
